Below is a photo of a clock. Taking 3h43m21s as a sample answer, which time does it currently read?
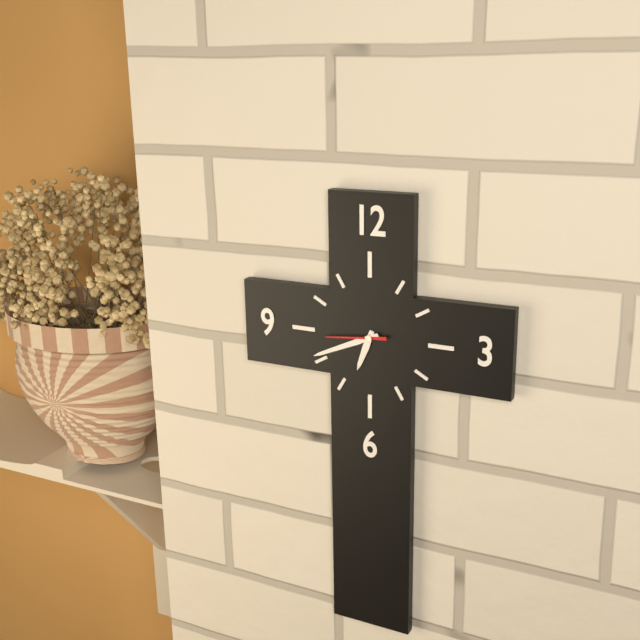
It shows 6h41m44s
